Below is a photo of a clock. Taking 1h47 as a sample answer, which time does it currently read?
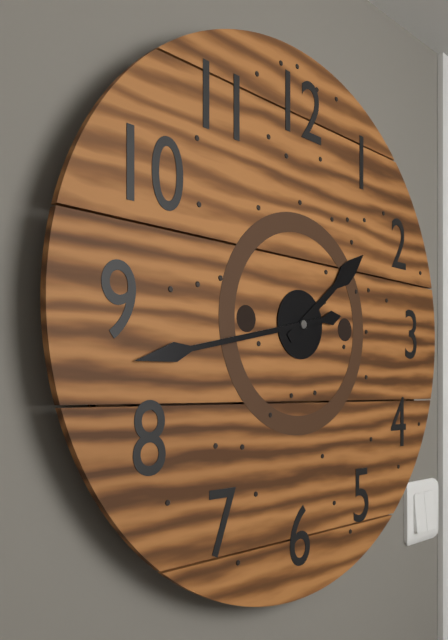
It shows 1h43
